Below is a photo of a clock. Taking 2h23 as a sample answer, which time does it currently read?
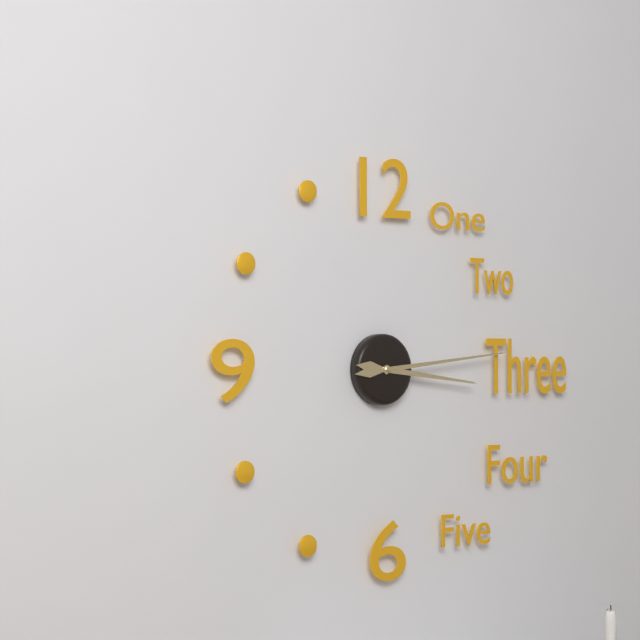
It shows 3h14
